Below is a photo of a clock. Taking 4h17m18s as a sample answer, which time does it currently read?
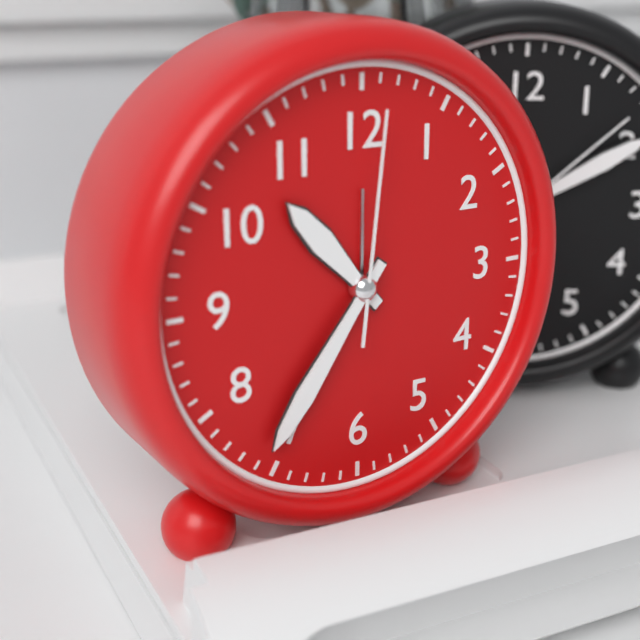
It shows 10h36m01s
